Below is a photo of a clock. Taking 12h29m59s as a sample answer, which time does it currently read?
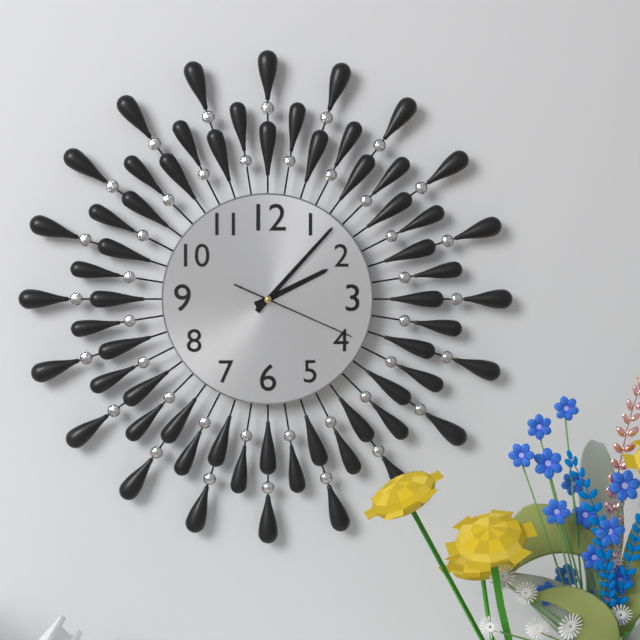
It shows 2h07m19s
